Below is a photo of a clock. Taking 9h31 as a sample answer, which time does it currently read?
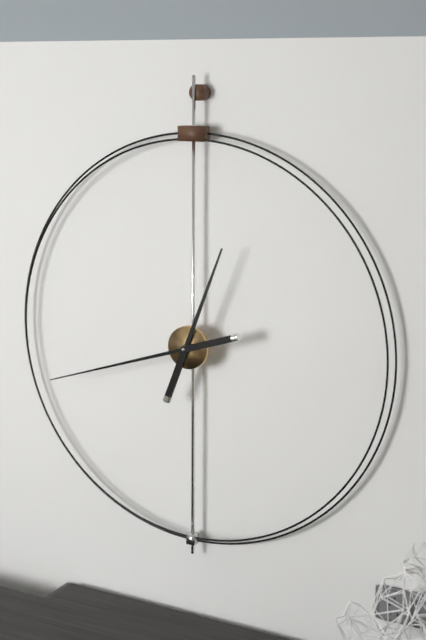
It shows 12h42
